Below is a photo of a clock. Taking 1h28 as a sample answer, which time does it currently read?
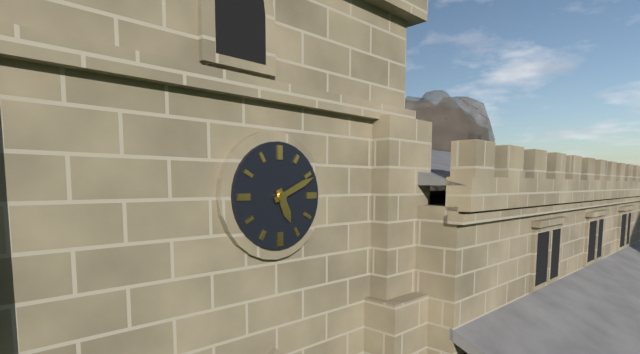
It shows 5h11
